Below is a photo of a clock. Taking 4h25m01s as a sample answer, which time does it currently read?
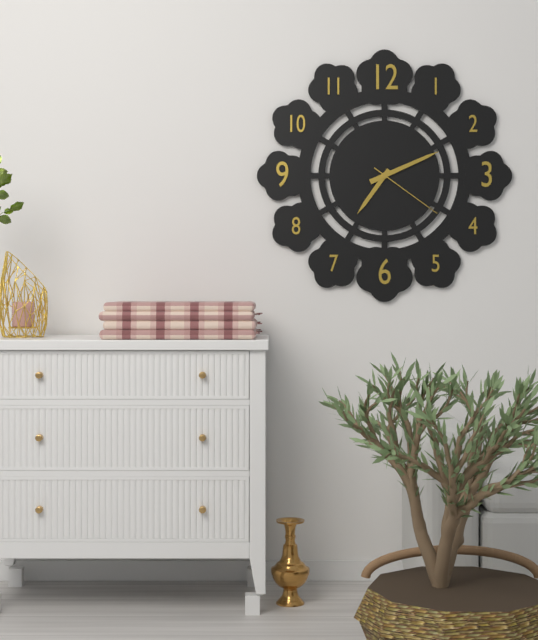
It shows 7h11m21s
